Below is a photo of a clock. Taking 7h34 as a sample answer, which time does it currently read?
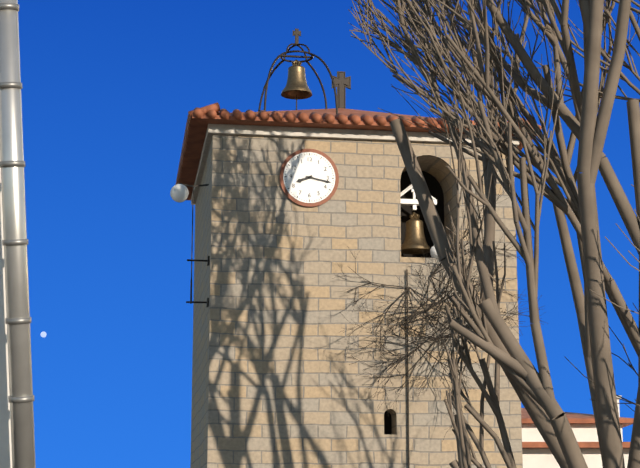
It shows 8h17
